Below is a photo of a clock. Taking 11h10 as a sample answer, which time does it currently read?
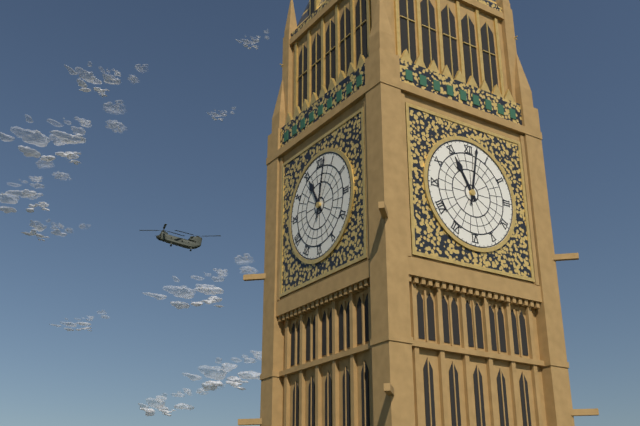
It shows 11h02
